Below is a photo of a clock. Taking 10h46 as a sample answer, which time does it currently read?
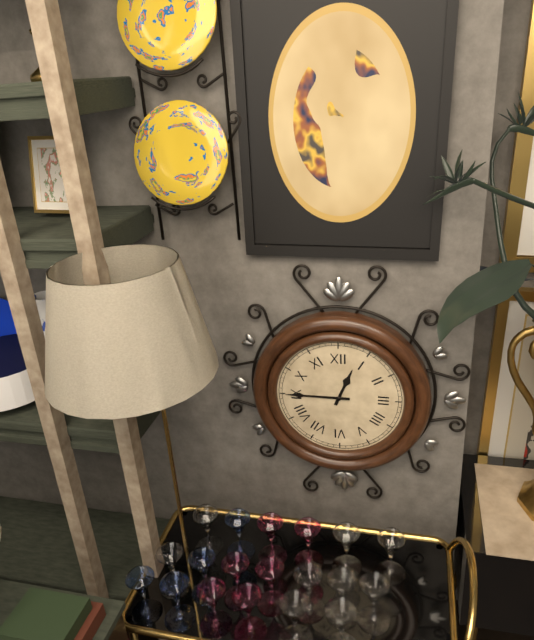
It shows 12h45
